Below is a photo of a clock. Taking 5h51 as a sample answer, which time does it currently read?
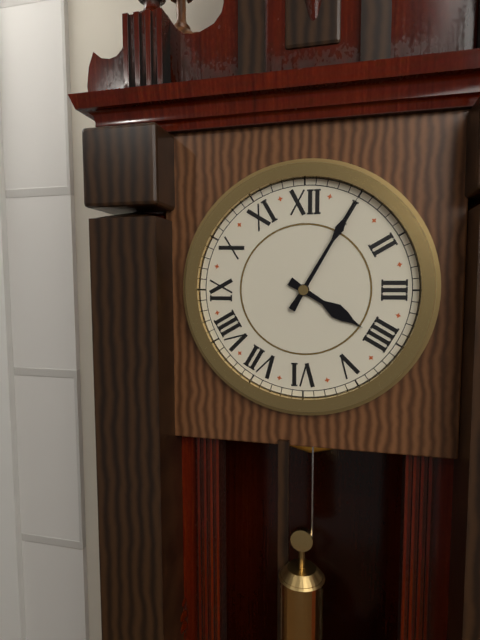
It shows 4h05
